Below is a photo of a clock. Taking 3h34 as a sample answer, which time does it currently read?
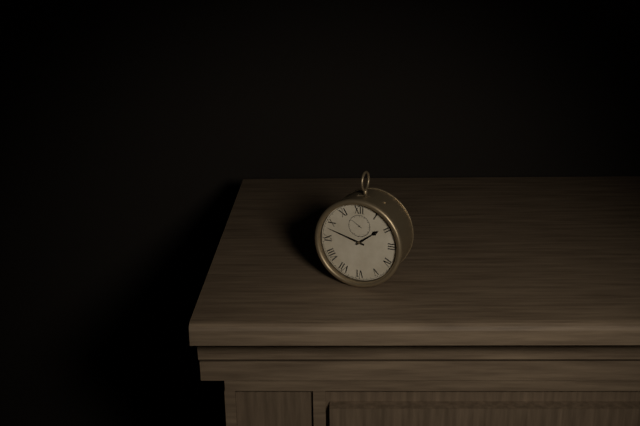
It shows 1h48
